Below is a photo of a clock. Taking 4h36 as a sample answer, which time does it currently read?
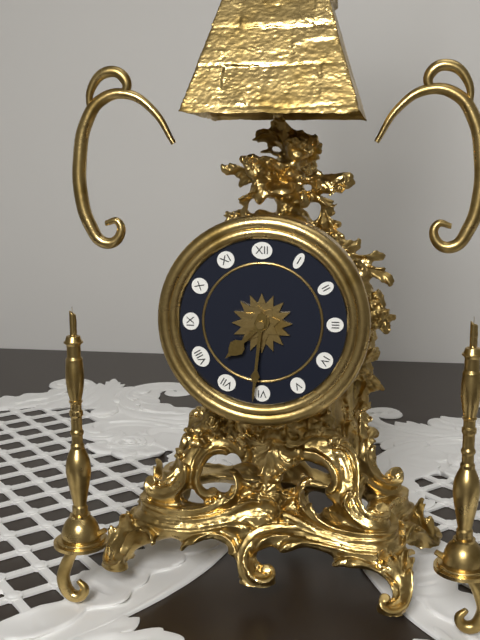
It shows 7h31
